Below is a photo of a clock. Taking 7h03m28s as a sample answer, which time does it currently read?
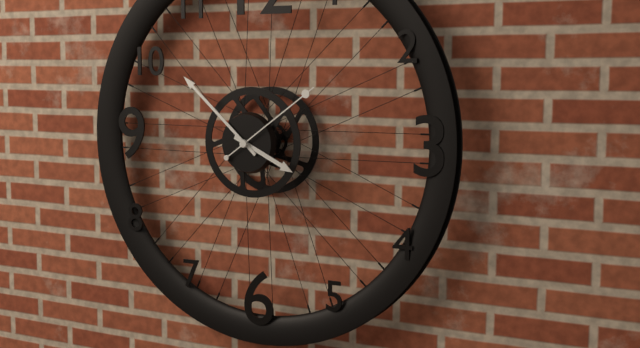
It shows 3h52m09s
